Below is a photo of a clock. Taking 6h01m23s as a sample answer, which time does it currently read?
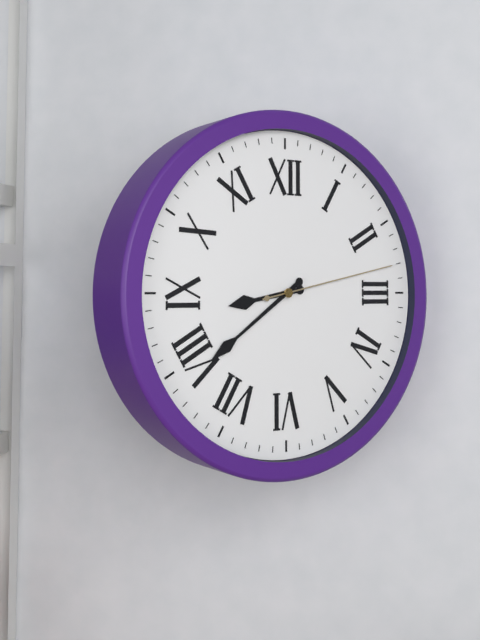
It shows 8h39m13s
